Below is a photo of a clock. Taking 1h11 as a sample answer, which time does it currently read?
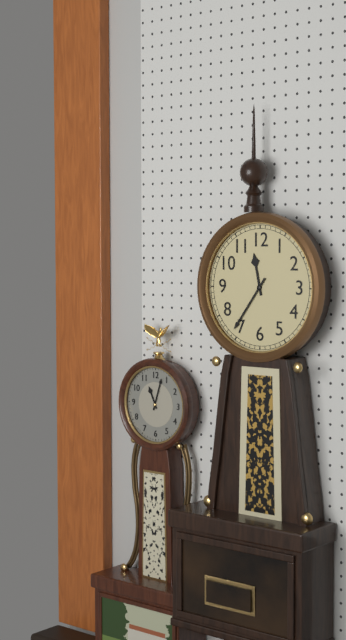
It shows 11h36
